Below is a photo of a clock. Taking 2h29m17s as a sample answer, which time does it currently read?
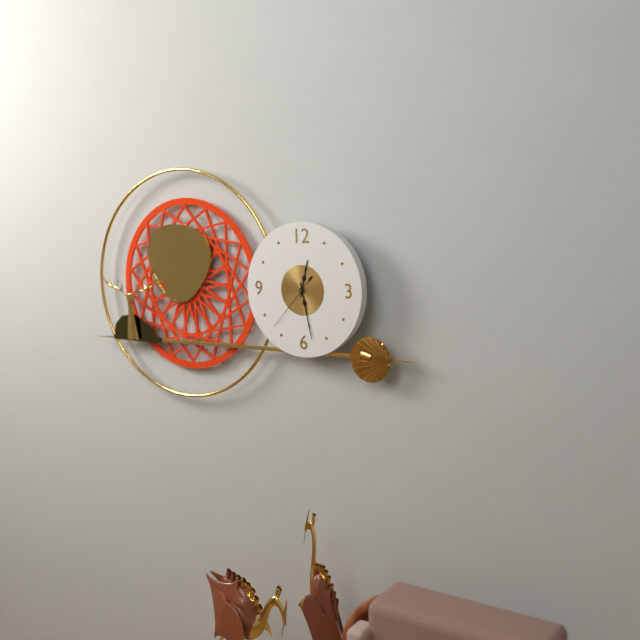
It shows 12h28m37s
